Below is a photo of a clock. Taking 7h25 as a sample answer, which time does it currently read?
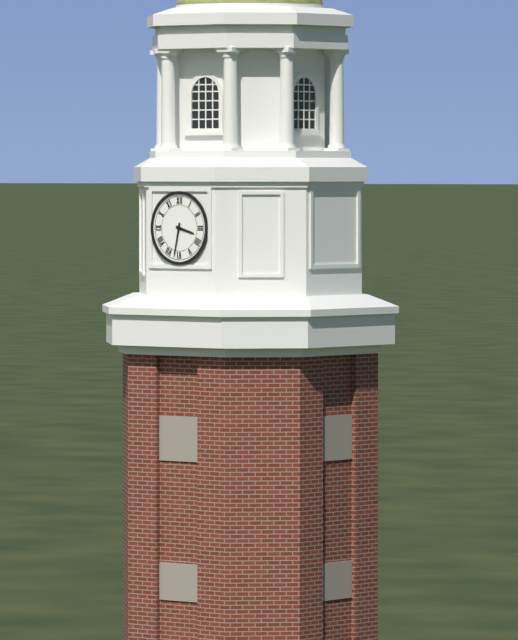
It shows 3h32
